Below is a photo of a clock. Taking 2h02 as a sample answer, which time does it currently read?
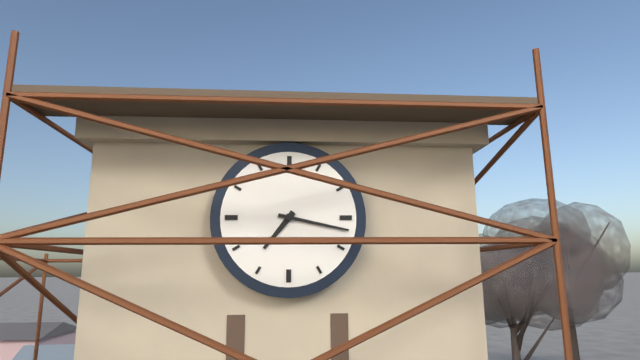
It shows 7h17
